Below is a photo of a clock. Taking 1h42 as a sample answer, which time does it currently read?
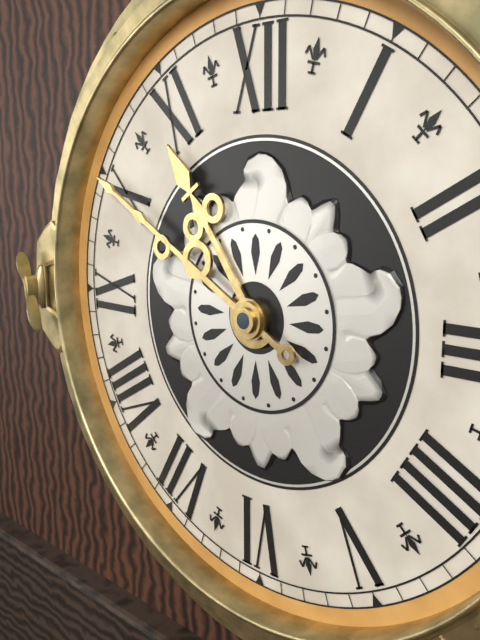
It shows 10h50
